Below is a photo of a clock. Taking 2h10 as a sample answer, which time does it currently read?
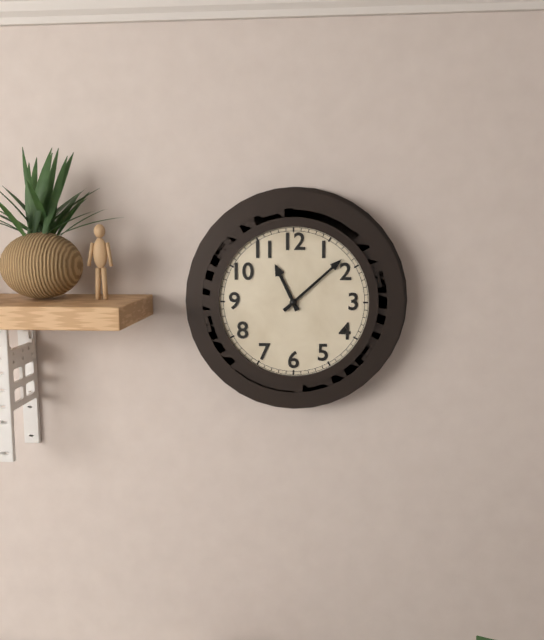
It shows 11h08
